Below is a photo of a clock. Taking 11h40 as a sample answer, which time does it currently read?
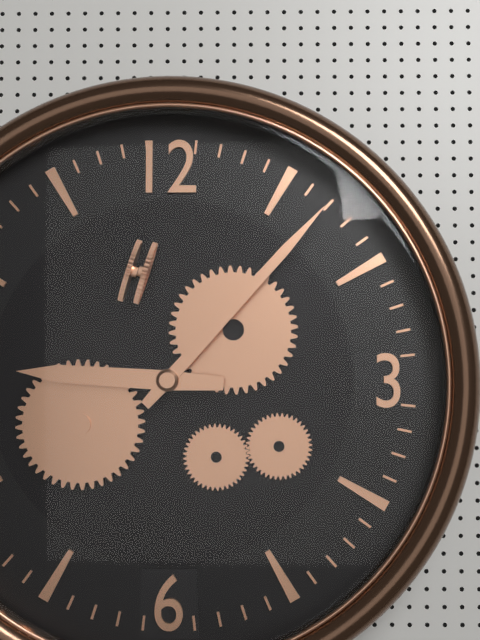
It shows 9h07
